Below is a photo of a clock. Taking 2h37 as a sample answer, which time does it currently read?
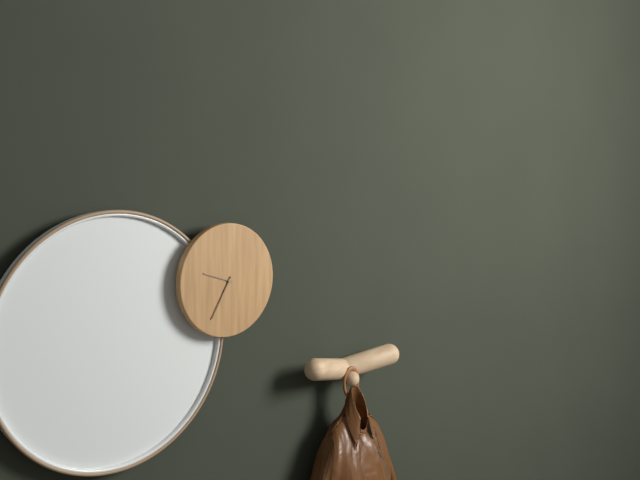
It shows 9h35
